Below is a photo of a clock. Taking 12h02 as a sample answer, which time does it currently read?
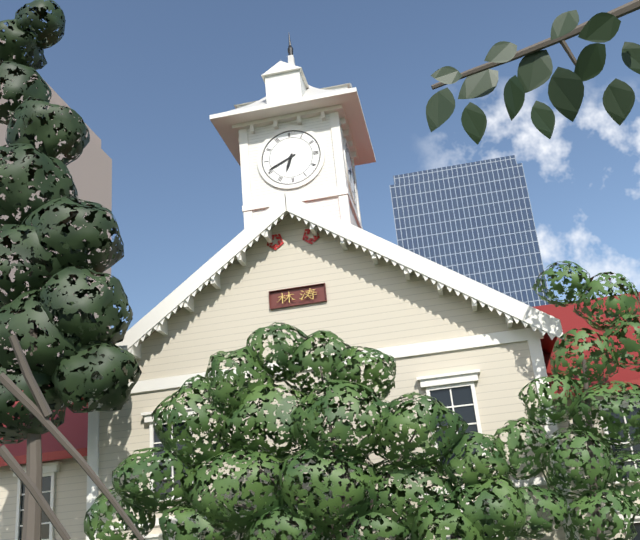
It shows 6h41
